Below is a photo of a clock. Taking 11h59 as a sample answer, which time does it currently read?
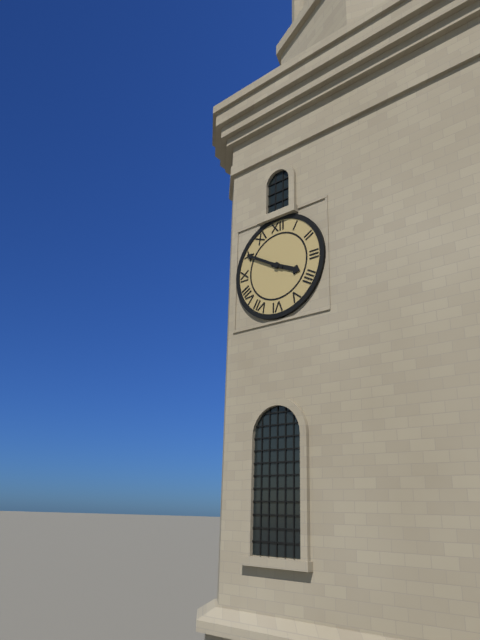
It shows 3h50
